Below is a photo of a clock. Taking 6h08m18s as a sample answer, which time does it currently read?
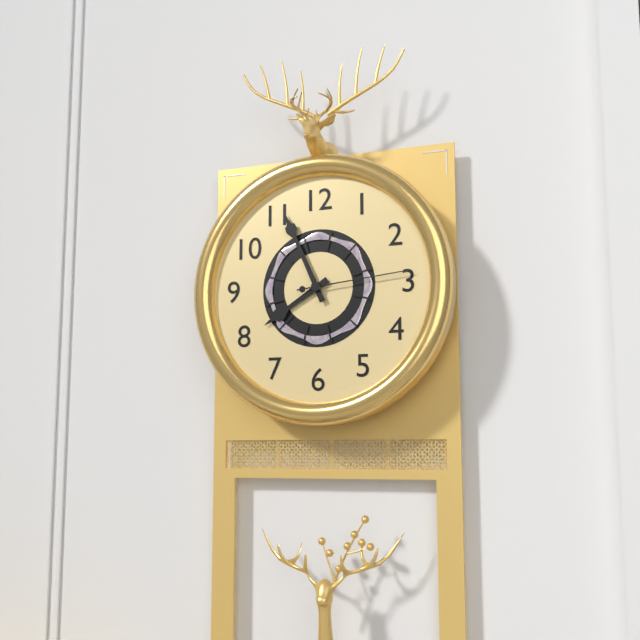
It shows 7h56m14s
